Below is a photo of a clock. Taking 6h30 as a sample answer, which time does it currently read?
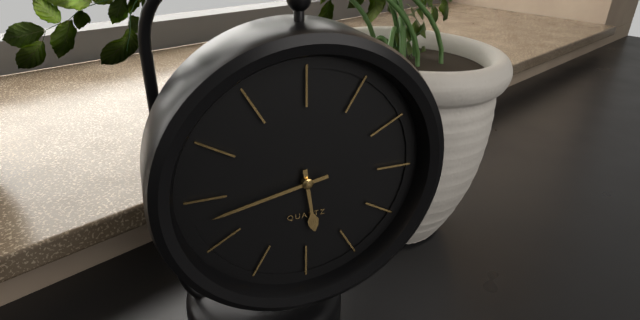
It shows 5h43
